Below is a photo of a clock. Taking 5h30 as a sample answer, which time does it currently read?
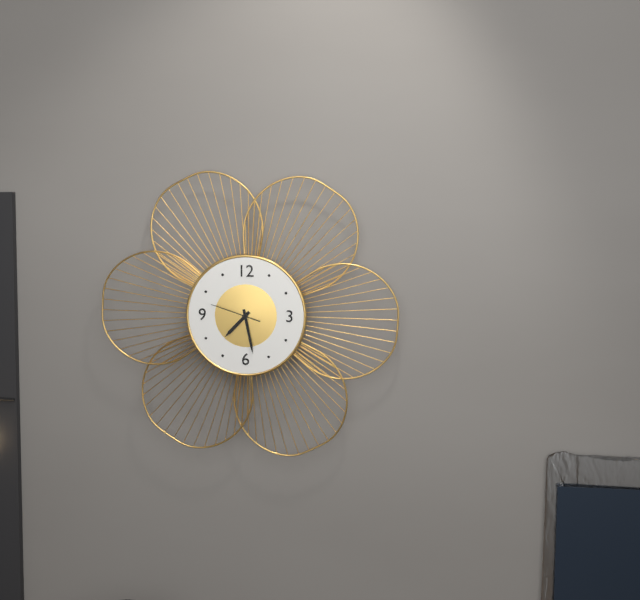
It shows 7h28
